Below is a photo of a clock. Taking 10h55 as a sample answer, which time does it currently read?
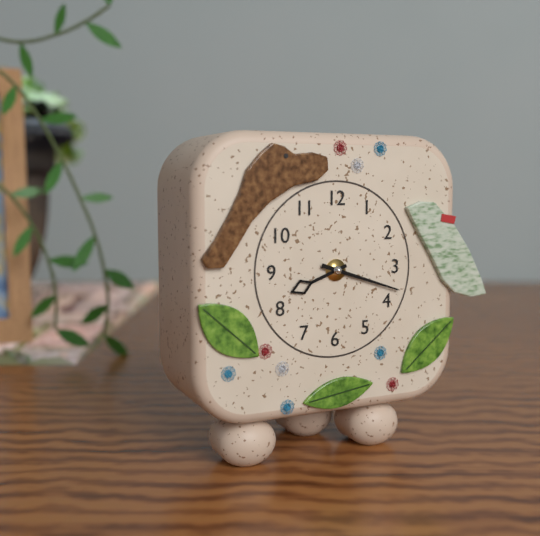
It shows 8h18
